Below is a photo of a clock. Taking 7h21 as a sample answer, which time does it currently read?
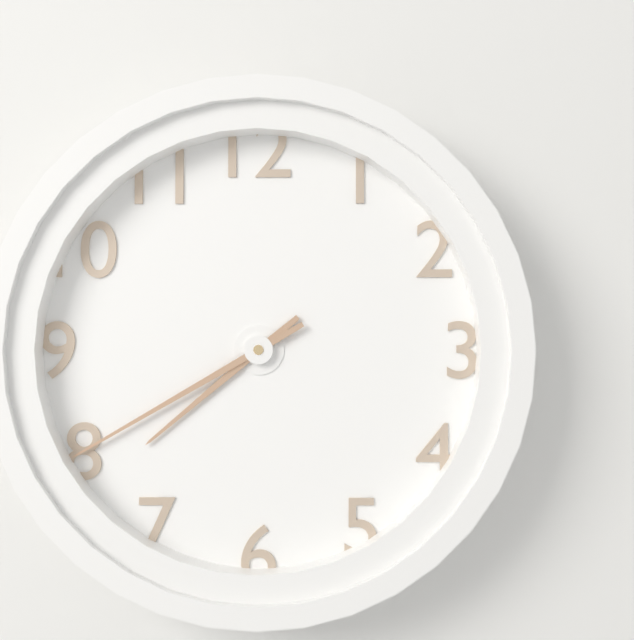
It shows 7h40
